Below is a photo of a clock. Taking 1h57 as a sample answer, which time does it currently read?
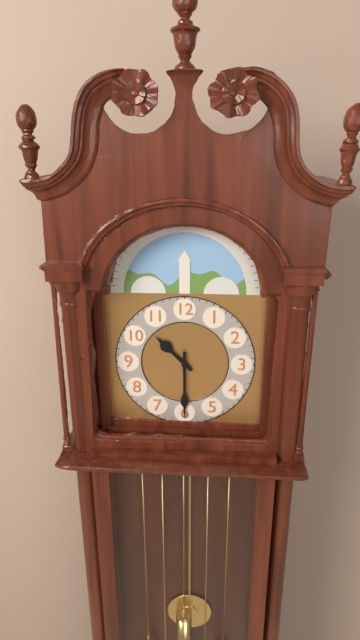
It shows 10h30
